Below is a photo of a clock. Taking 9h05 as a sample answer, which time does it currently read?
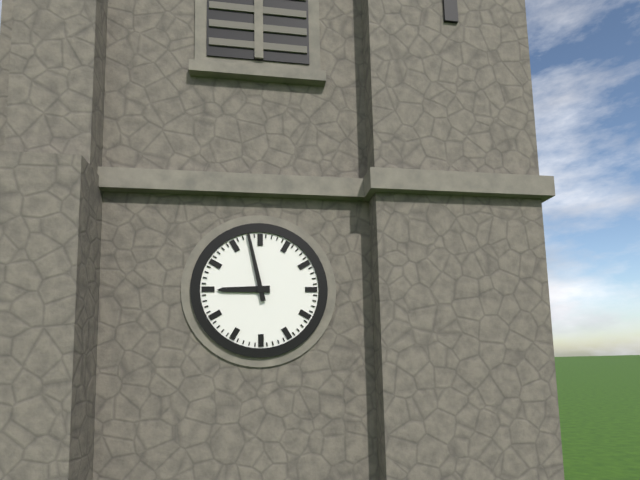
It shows 8h58
